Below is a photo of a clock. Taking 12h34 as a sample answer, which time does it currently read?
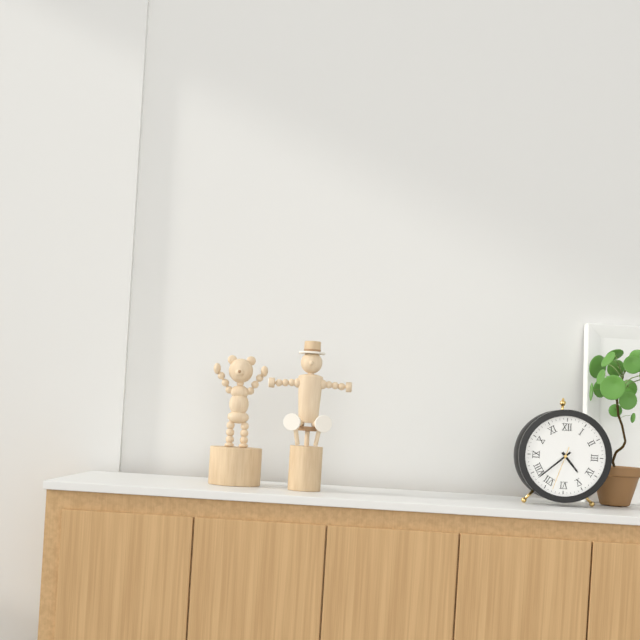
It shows 4h38
